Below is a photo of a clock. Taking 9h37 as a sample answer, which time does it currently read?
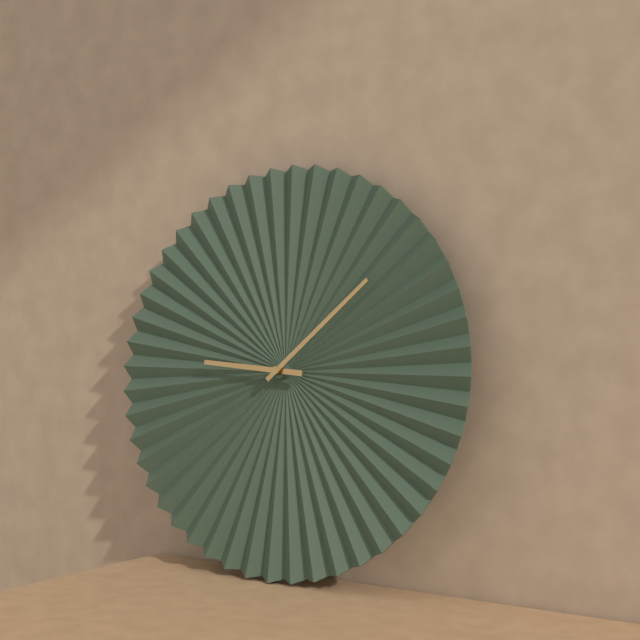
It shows 9h08
